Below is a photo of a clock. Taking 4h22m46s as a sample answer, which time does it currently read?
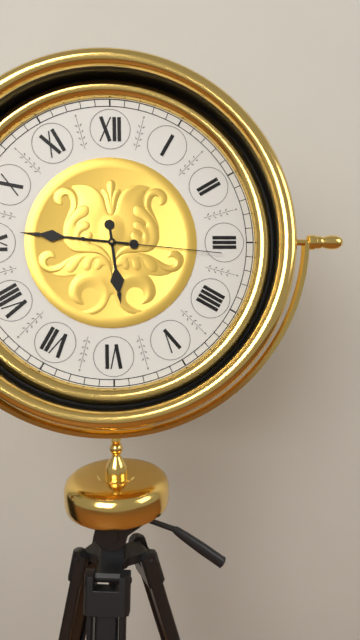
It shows 5h46m16s
